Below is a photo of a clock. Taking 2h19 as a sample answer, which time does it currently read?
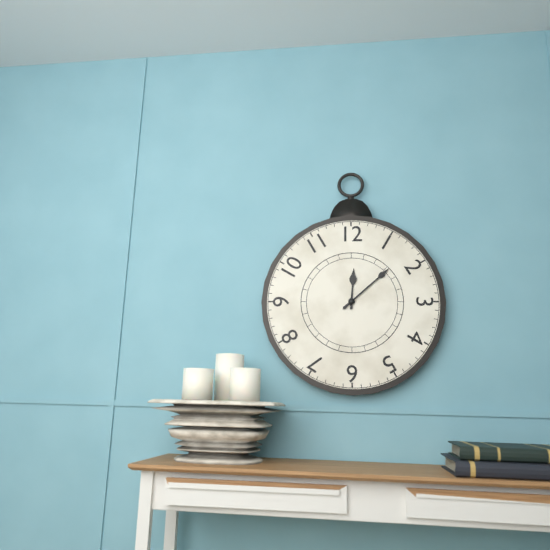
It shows 12h08
